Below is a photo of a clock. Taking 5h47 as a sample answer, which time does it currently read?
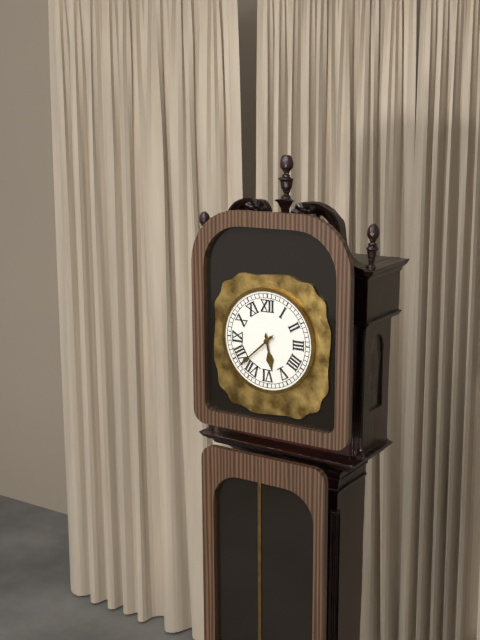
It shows 5h38
